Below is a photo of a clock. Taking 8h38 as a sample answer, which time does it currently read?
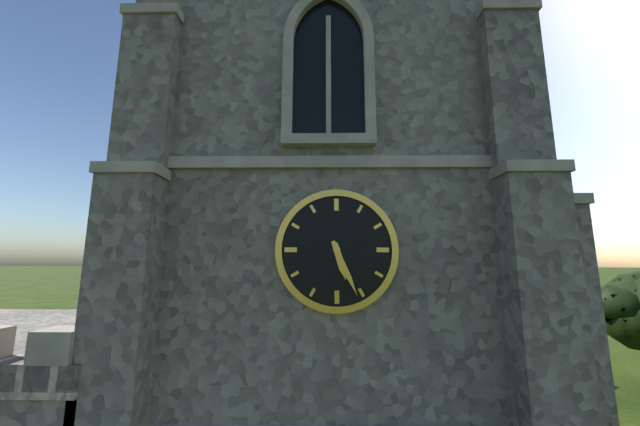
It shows 5h26
